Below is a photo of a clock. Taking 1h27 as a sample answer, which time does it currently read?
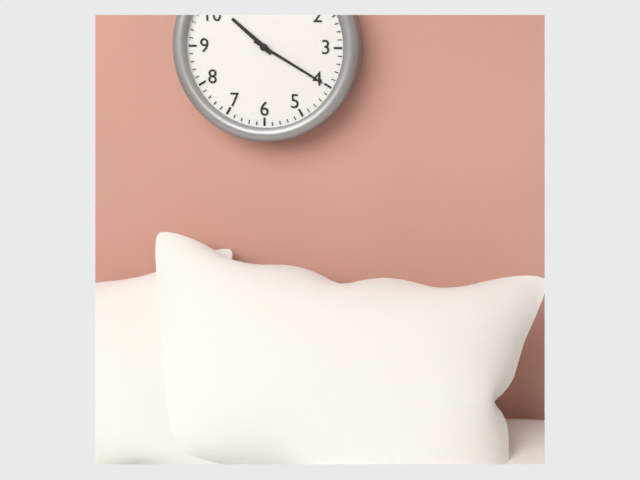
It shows 10h20
